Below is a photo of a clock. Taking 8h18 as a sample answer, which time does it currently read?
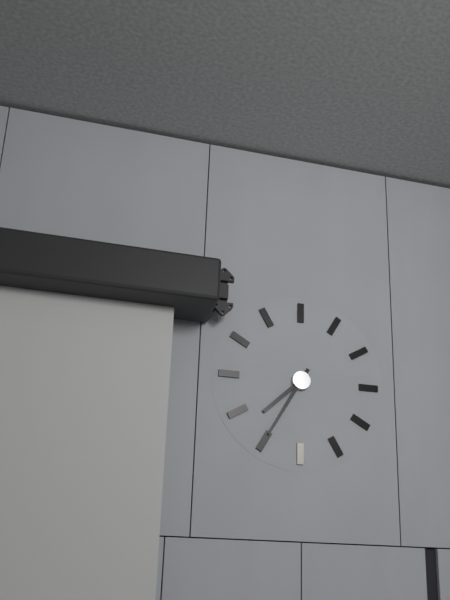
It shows 7h35
